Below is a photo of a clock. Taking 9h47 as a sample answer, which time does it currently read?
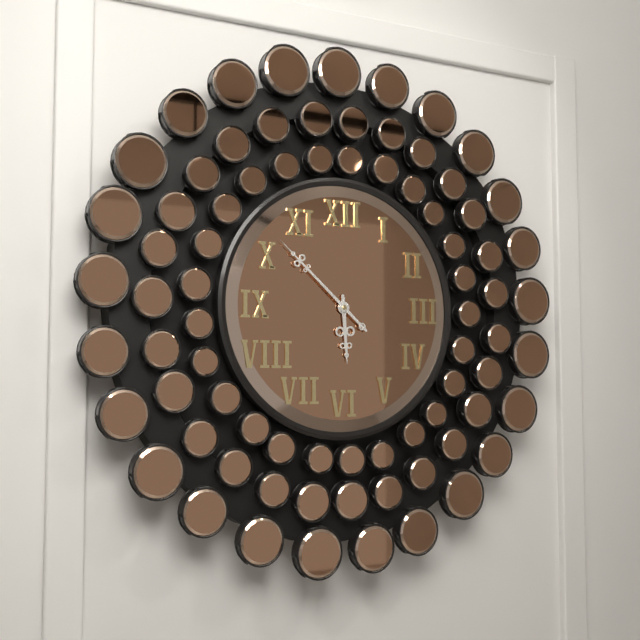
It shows 5h52
